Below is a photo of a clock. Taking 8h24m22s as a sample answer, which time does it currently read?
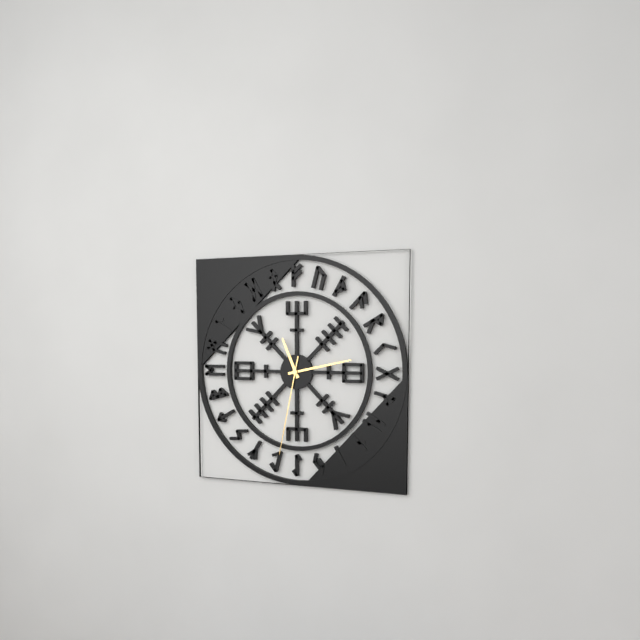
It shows 11h13m32s
